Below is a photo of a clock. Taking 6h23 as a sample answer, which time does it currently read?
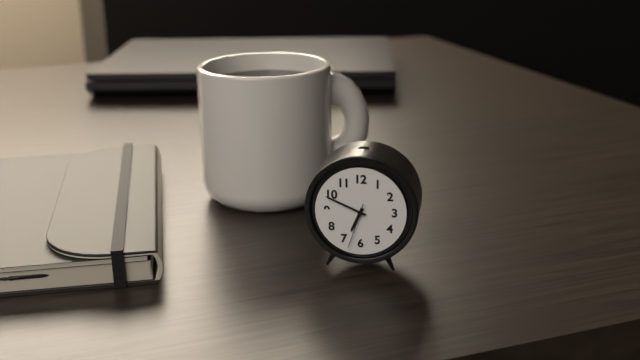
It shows 6h49
